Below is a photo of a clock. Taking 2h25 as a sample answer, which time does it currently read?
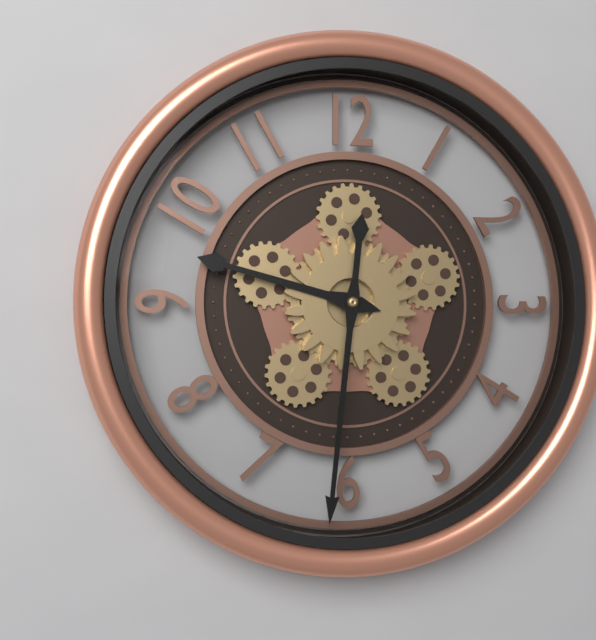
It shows 9h31
